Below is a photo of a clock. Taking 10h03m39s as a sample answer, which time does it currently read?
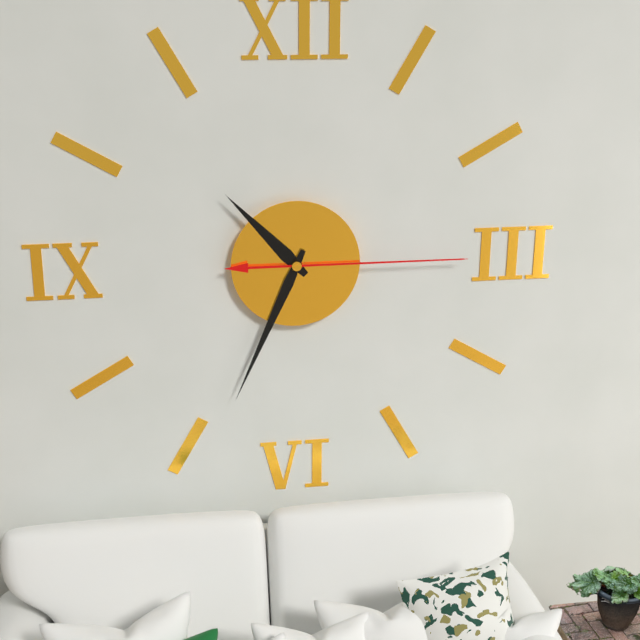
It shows 10h34m15s
